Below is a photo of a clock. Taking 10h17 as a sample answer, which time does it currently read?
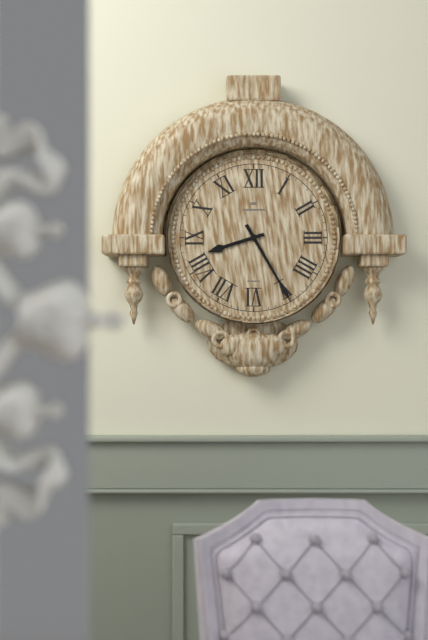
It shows 8h25
